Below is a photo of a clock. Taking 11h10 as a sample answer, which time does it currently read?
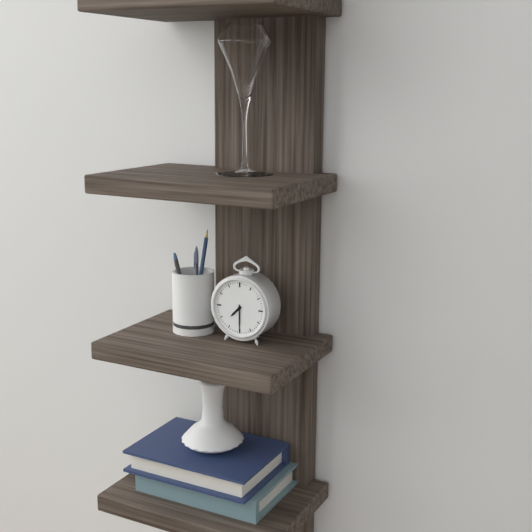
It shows 7h30
